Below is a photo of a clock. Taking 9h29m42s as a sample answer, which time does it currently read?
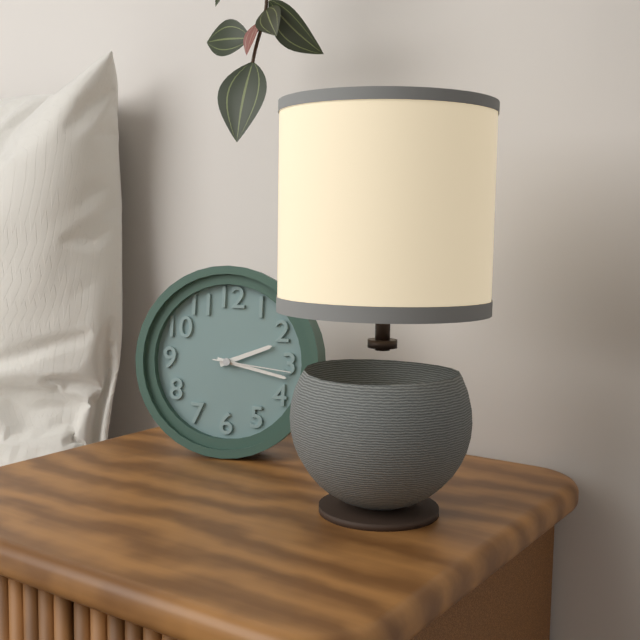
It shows 2h17m16s
